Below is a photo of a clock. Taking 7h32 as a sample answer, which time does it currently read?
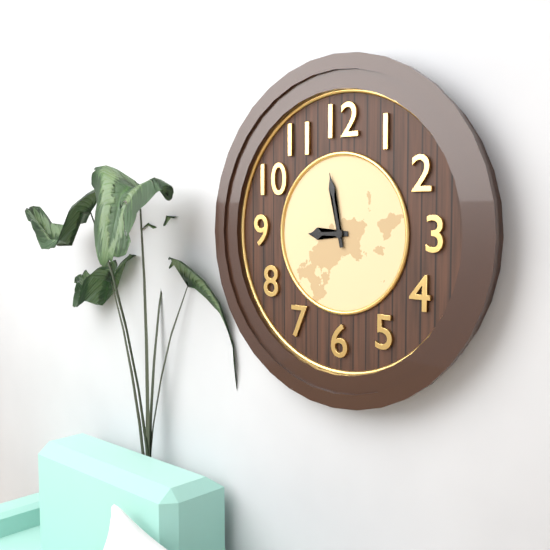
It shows 8h58
